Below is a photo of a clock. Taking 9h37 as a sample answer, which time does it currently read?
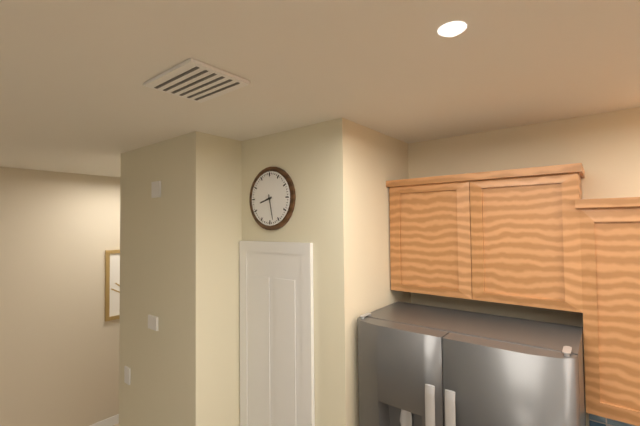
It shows 8h28
